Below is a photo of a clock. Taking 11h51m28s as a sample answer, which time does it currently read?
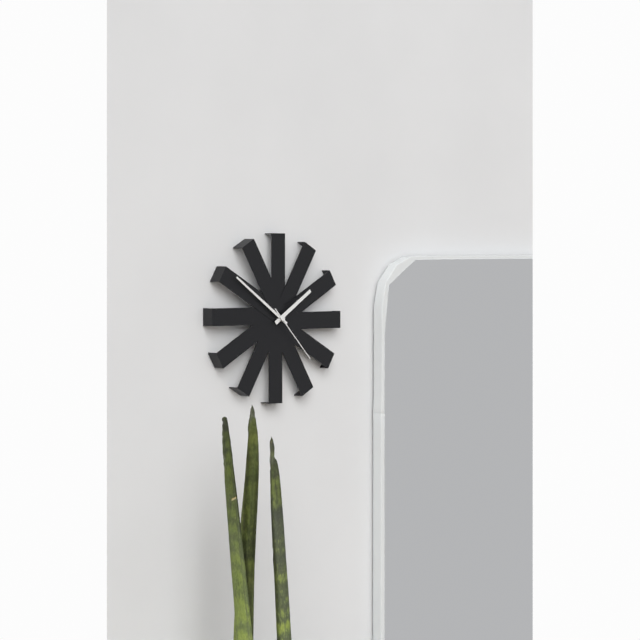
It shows 1h51m23s
